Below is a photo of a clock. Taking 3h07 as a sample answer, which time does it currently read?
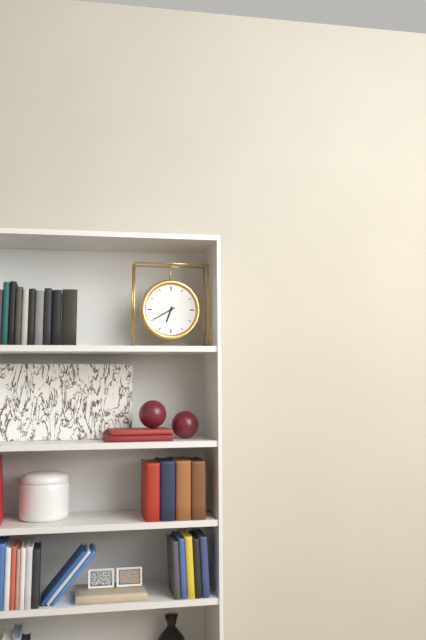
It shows 6h40
